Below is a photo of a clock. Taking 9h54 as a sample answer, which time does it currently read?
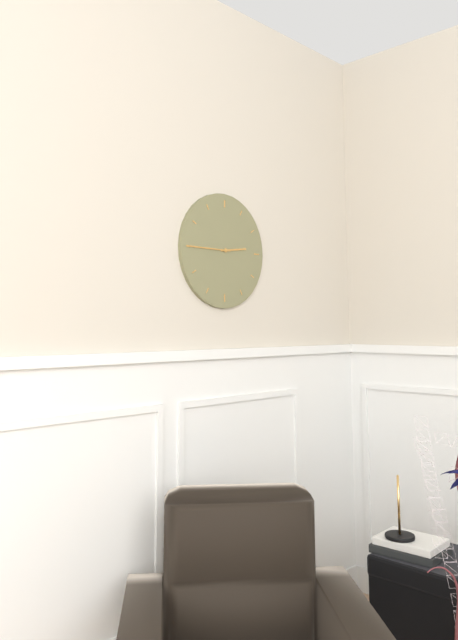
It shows 2h45
